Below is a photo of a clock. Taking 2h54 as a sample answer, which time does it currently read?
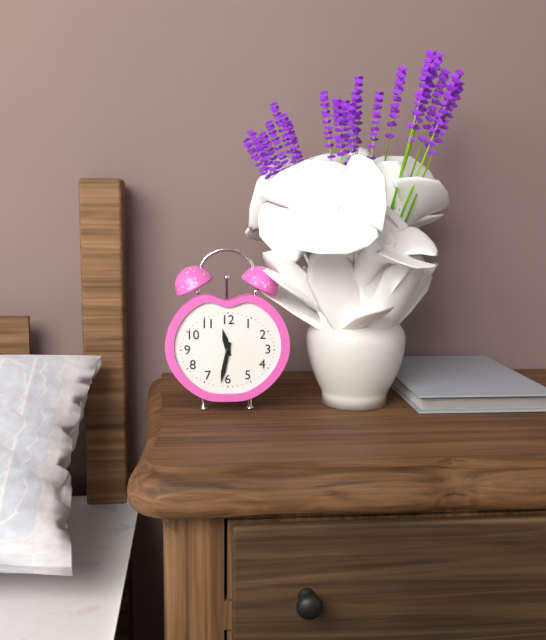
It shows 11h32
